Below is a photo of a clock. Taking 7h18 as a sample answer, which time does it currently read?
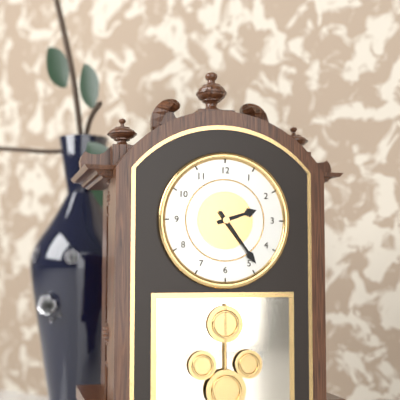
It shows 2h24
